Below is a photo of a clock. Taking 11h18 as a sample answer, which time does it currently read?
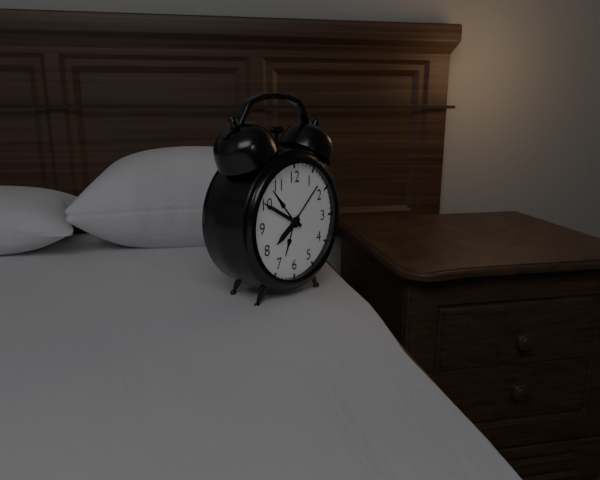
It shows 7h50
